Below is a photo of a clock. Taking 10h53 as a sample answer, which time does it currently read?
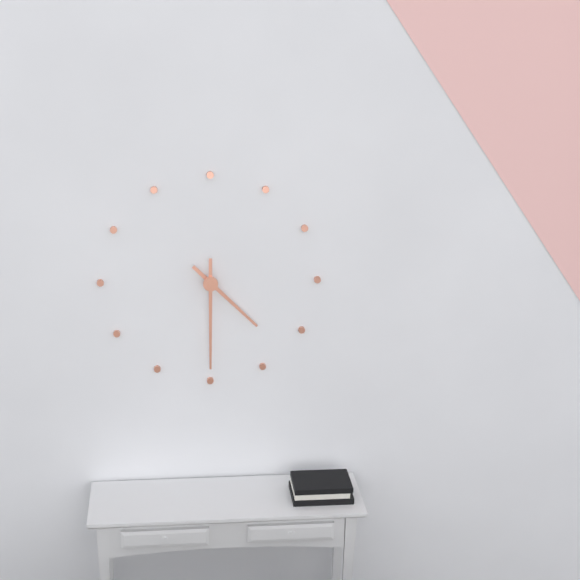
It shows 4h30
